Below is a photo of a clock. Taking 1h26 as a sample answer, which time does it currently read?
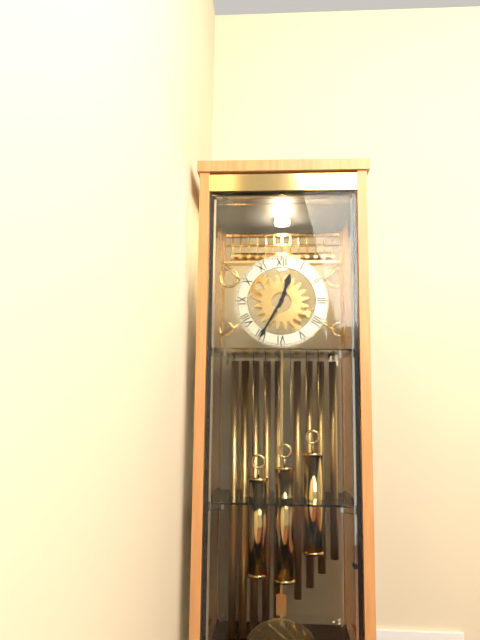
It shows 12h35
